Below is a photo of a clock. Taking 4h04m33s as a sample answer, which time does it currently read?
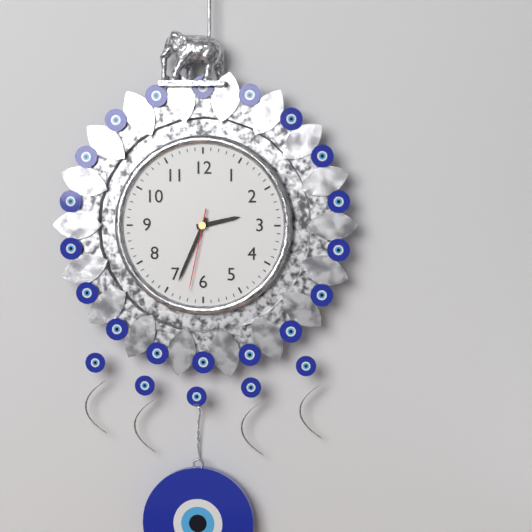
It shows 2h34m32s
